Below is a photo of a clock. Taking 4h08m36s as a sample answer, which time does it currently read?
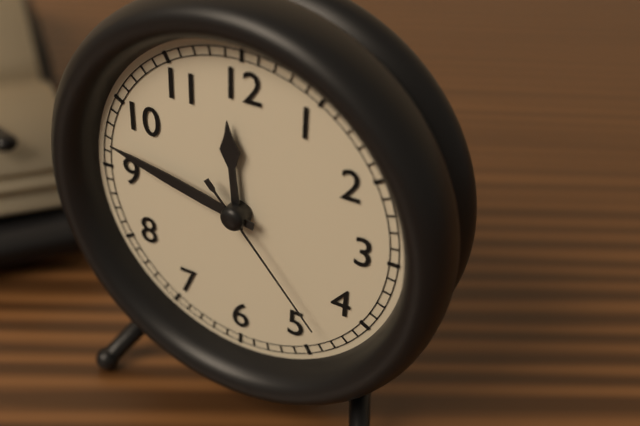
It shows 11h47m23s
